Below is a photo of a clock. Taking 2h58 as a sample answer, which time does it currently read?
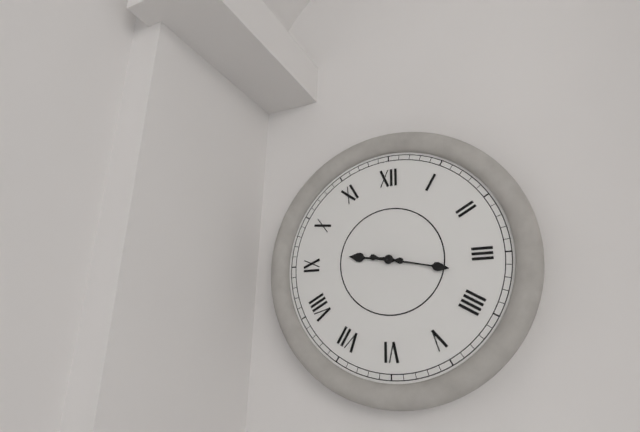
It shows 9h17
